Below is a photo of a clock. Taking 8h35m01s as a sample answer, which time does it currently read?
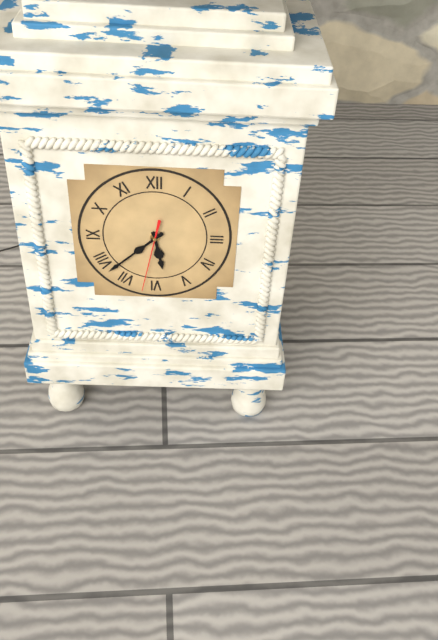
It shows 5h38m32s
